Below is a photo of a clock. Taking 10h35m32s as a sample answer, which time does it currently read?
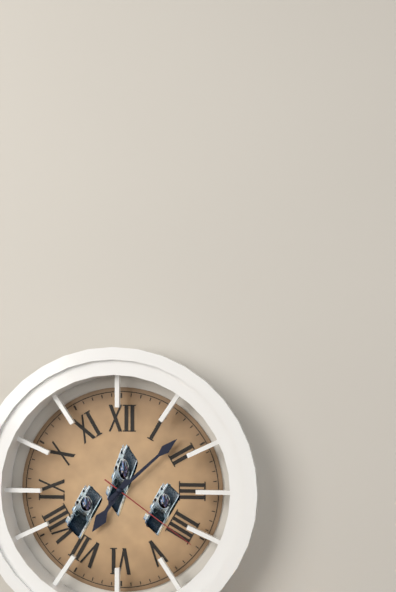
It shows 7h08m21s
